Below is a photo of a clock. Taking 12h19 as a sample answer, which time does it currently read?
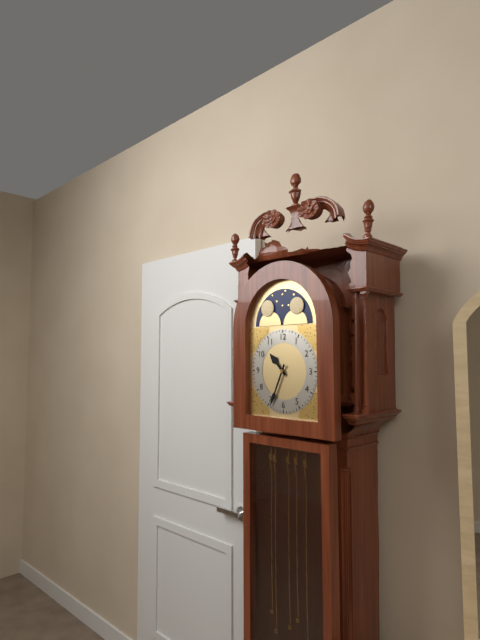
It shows 10h34
